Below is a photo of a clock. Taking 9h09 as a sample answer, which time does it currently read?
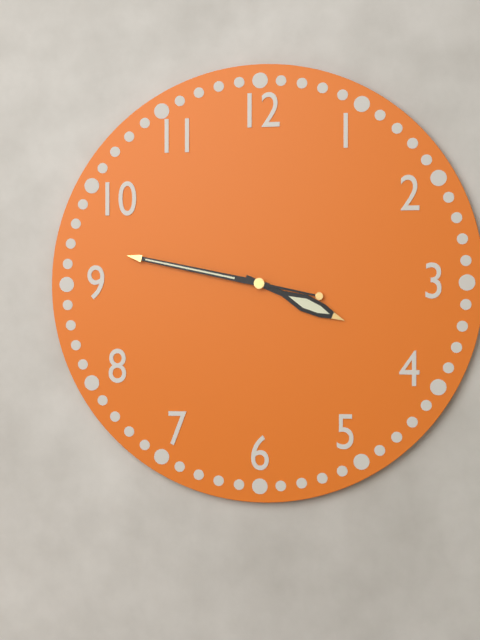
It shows 3h47
